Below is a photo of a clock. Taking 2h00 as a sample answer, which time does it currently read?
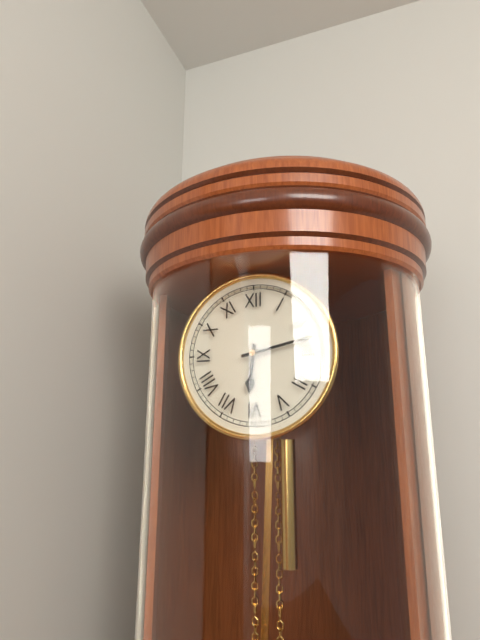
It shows 6h13
